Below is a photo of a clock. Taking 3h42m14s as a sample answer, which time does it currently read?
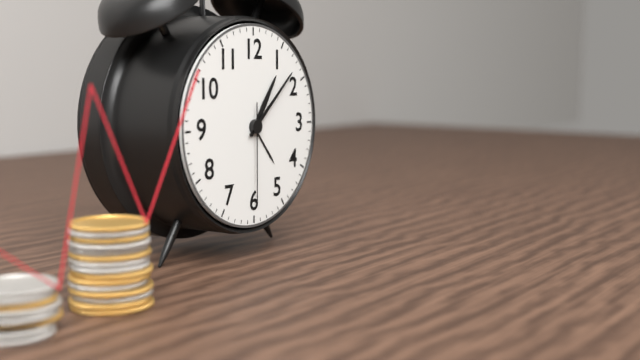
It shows 1h08m30s
